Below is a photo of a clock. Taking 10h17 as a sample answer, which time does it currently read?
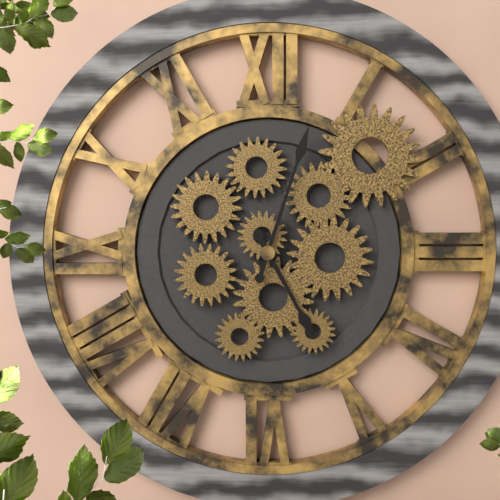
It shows 5h03
